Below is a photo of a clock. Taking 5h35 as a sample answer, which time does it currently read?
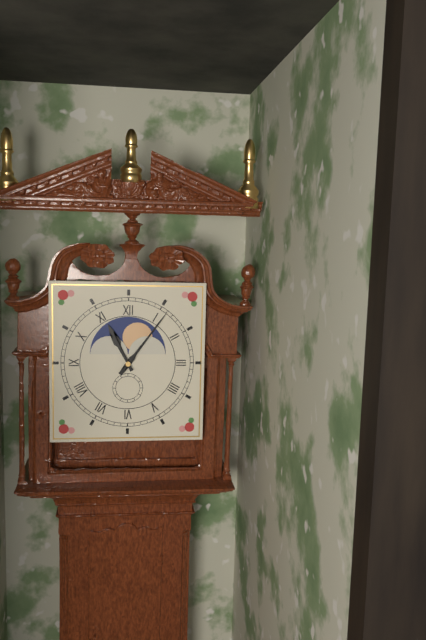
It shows 11h06
